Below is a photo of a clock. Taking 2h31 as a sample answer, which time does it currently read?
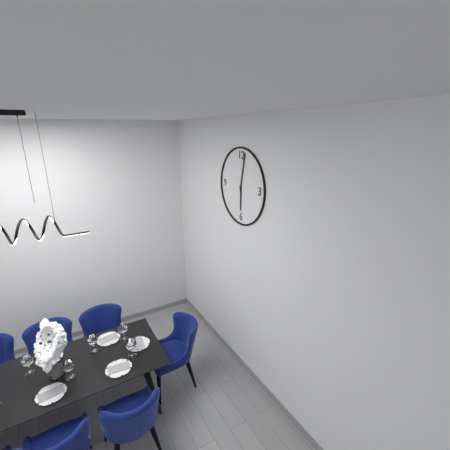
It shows 6h02
